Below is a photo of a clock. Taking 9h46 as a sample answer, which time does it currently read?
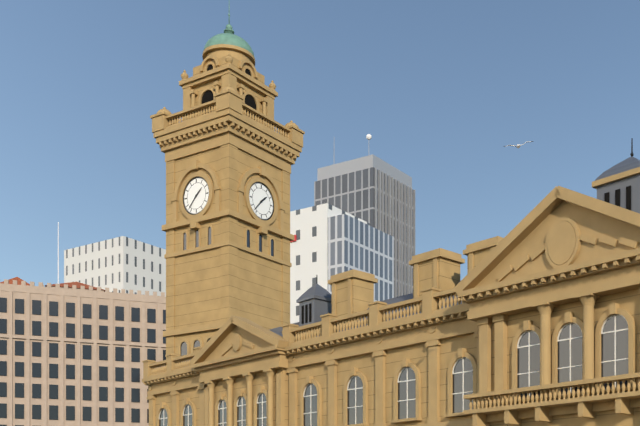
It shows 1h37
